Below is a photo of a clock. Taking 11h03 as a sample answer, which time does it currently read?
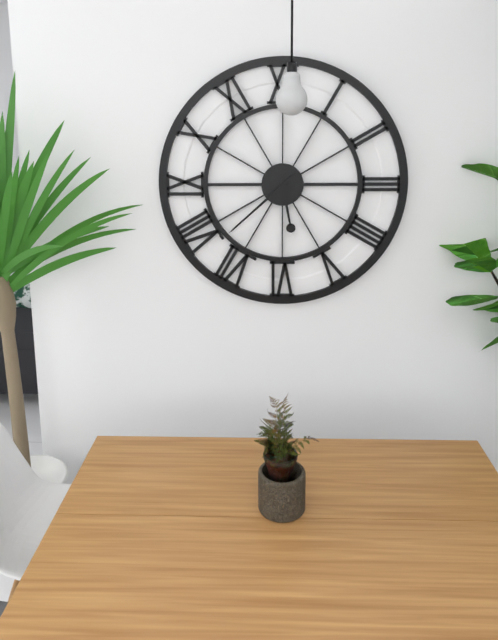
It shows 5h38
